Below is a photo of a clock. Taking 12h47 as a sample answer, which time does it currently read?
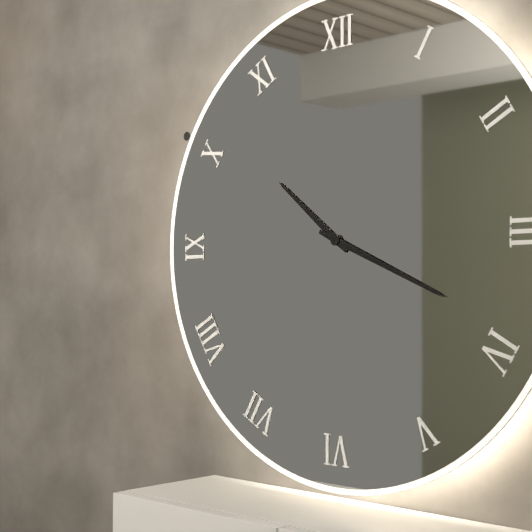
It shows 10h19
